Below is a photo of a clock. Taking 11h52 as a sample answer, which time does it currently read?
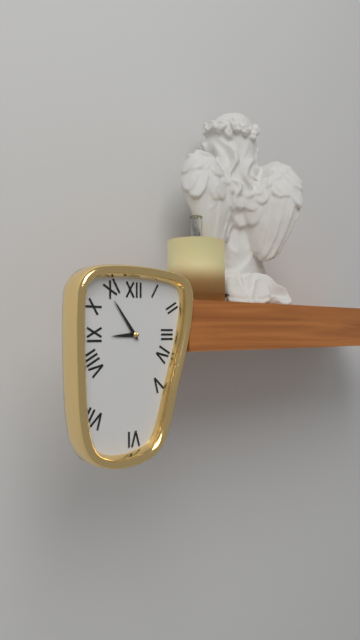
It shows 8h54
